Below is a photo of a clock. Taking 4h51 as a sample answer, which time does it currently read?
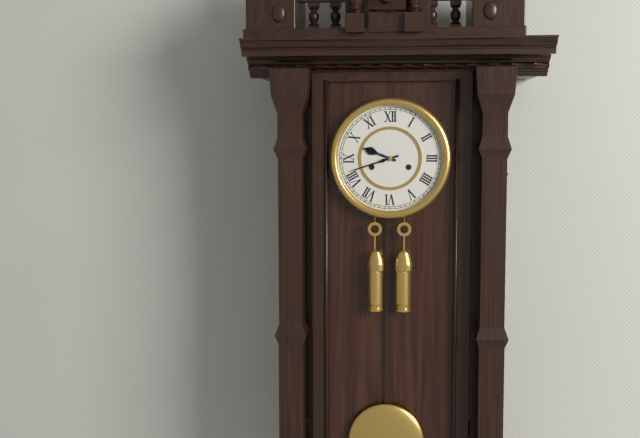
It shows 9h42
